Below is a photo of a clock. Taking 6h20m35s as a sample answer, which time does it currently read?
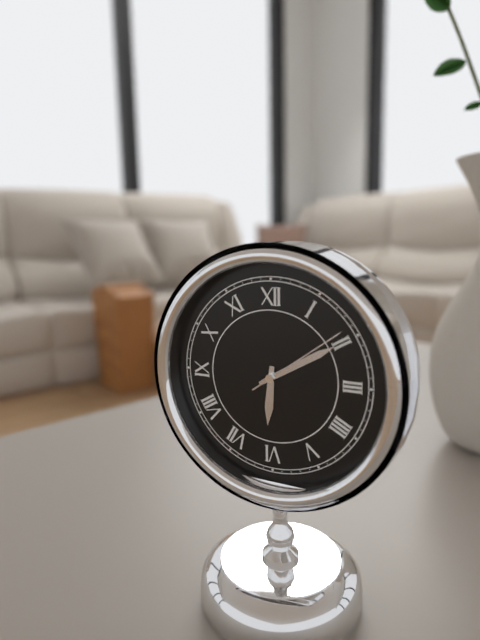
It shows 6h10m09s
